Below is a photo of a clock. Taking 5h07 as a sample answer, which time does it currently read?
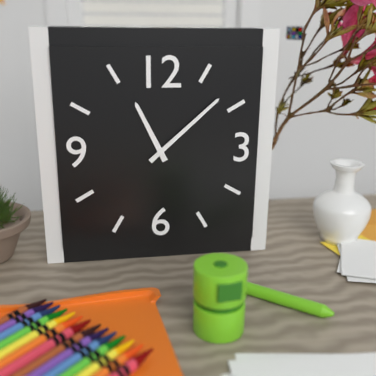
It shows 11h08
